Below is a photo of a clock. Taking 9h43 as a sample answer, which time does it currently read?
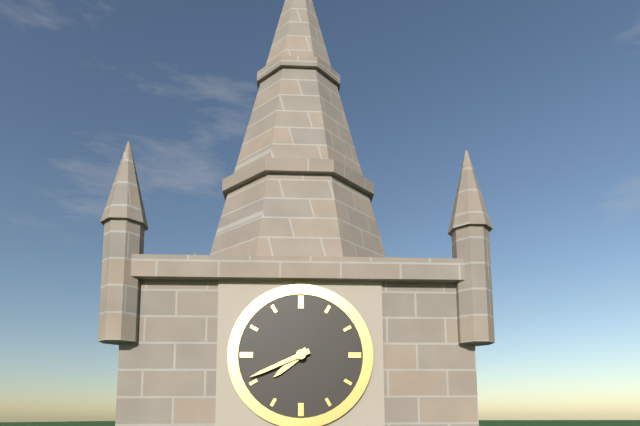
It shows 7h41
